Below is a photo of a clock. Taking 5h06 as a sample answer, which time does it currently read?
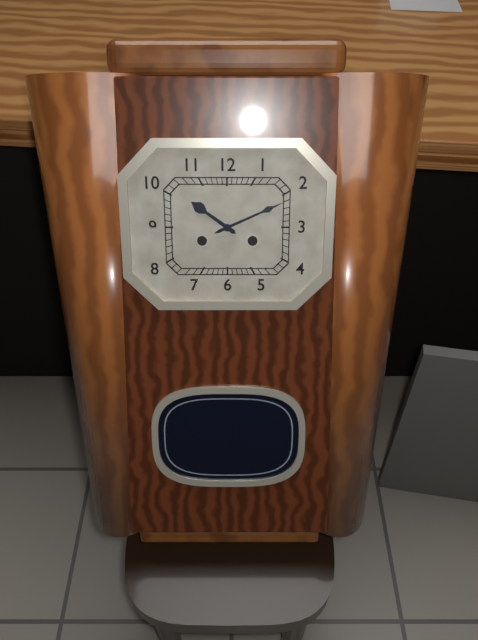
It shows 10h11
